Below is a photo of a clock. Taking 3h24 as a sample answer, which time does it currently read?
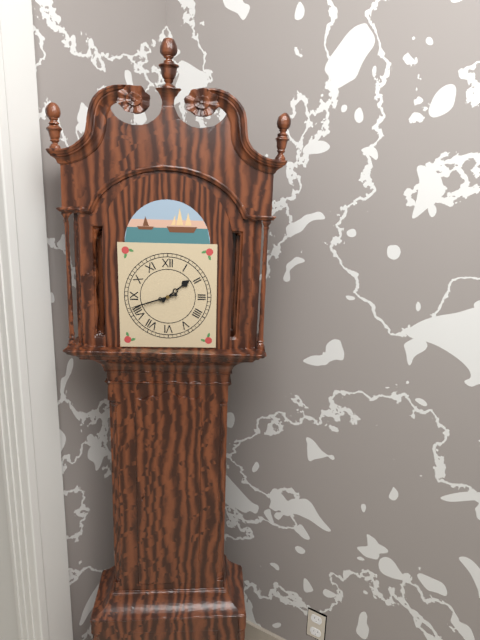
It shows 1h42
